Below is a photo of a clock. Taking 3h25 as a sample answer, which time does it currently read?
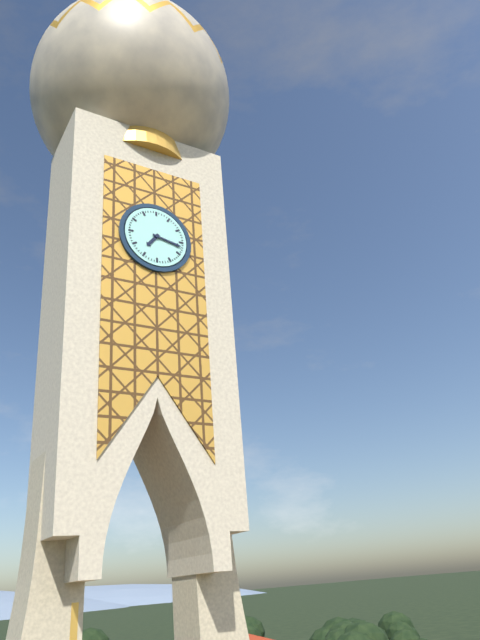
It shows 7h17
